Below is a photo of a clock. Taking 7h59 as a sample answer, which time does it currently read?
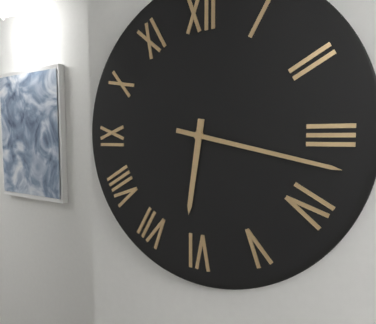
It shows 6h17
